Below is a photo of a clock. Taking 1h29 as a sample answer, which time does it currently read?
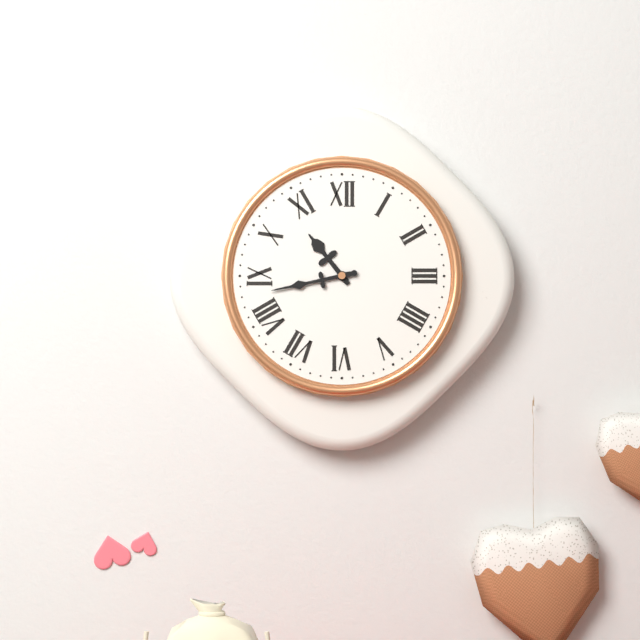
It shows 10h43
